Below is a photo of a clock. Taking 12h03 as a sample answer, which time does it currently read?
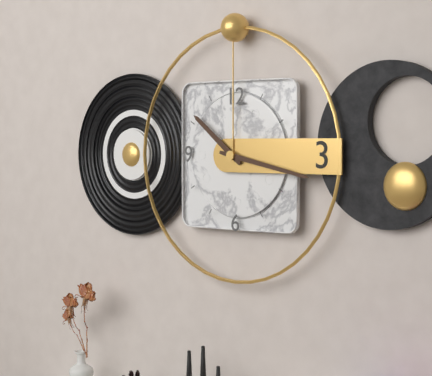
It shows 10h17
